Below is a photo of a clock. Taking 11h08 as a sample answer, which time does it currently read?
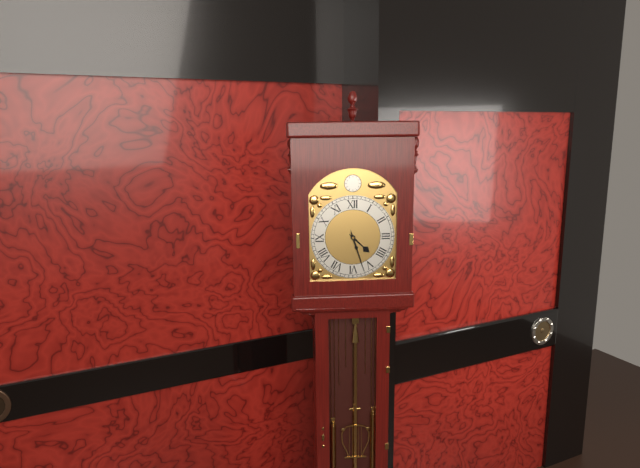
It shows 4h27
